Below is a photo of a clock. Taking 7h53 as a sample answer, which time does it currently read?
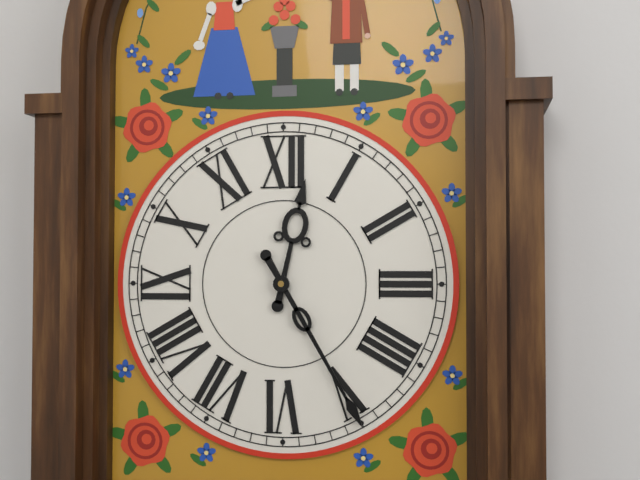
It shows 12h25
